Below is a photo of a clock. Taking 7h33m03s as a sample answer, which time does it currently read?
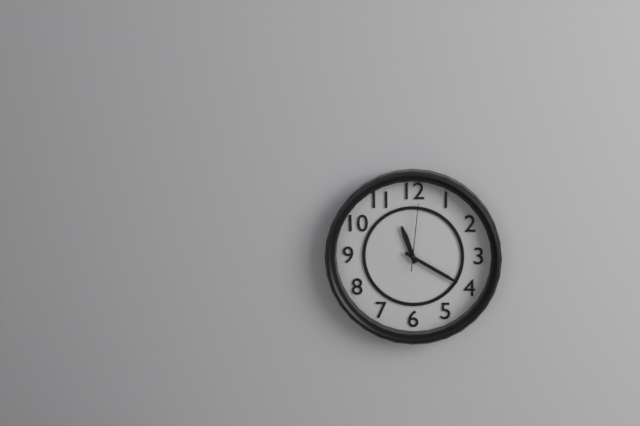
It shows 11h20m01s
